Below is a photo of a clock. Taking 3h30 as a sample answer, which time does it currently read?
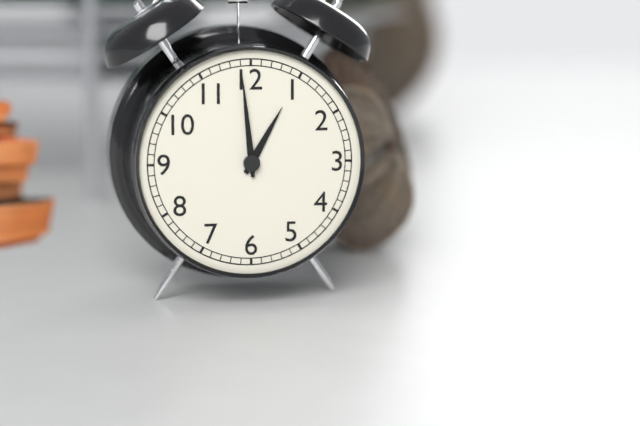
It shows 12h59
